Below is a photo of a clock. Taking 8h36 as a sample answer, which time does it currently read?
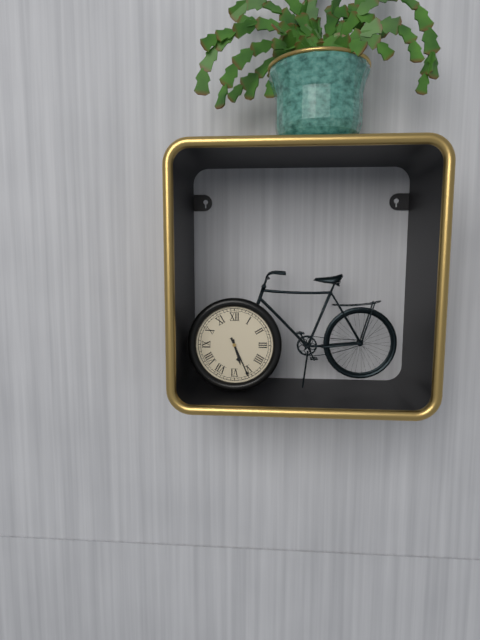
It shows 5h26
